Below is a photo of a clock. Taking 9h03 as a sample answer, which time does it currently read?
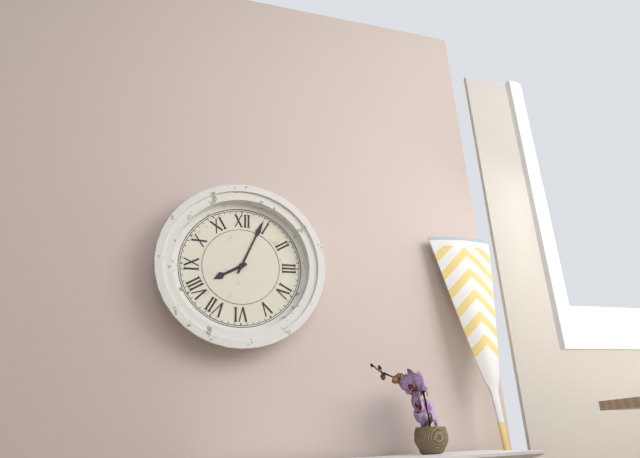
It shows 8h04
